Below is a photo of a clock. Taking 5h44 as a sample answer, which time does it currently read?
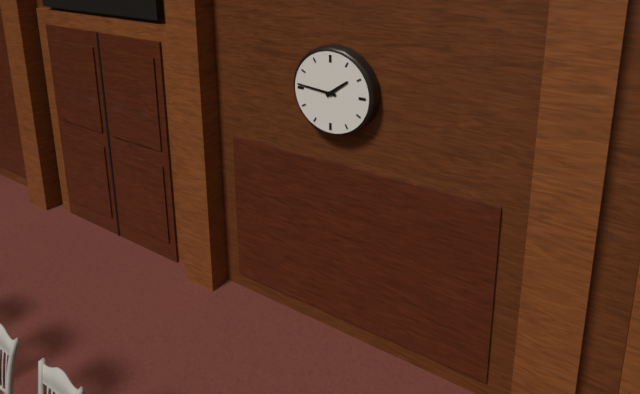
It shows 1h46
